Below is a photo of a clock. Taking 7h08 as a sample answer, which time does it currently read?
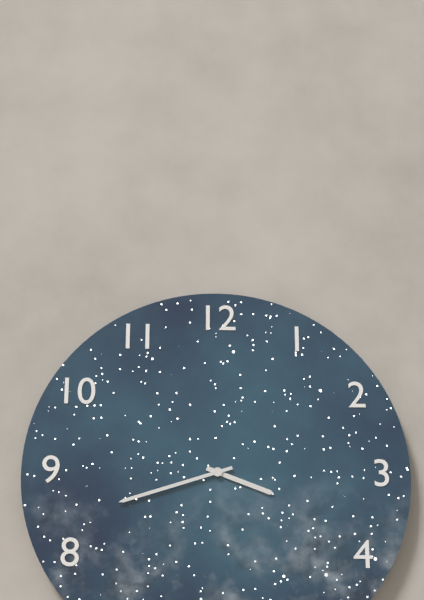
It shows 3h42
